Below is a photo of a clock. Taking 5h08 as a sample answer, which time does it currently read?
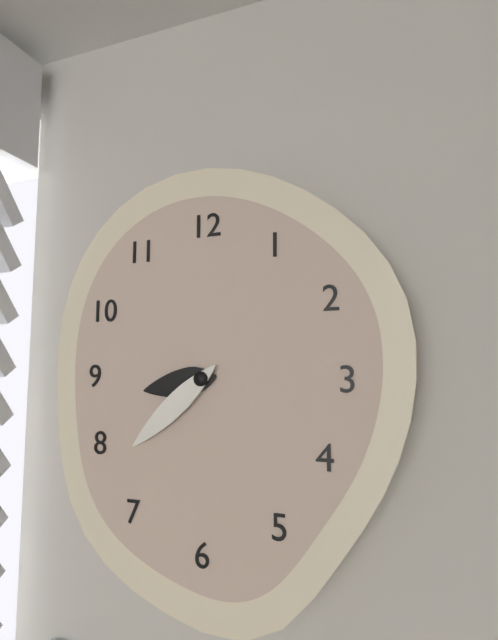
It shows 8h38
